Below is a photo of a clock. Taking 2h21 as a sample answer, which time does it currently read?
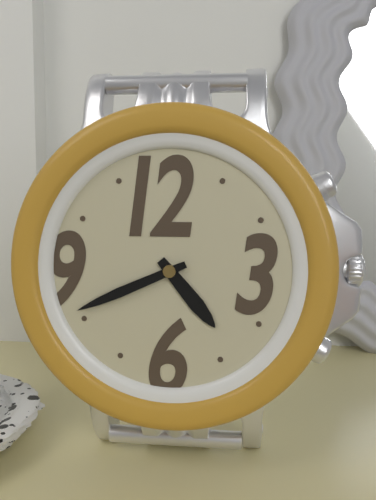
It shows 4h41
